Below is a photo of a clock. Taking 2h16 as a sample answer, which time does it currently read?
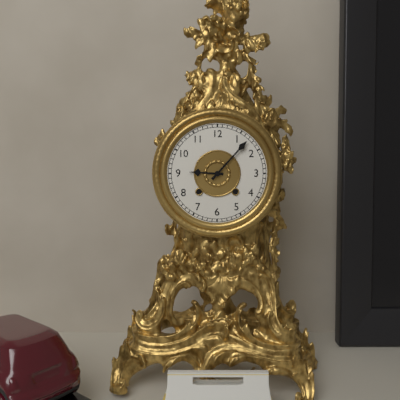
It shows 9h07
